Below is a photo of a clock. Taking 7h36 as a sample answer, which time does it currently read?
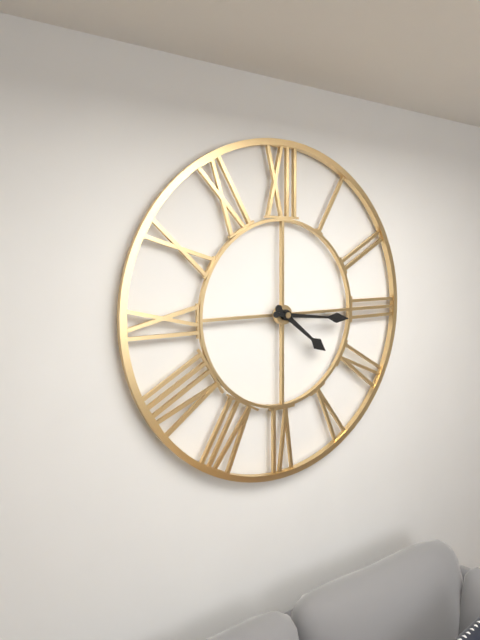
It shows 4h16
